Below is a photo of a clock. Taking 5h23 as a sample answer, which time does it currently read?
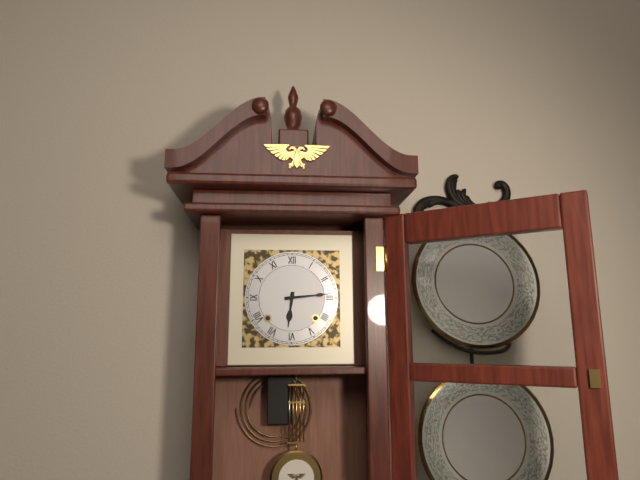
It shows 6h14
